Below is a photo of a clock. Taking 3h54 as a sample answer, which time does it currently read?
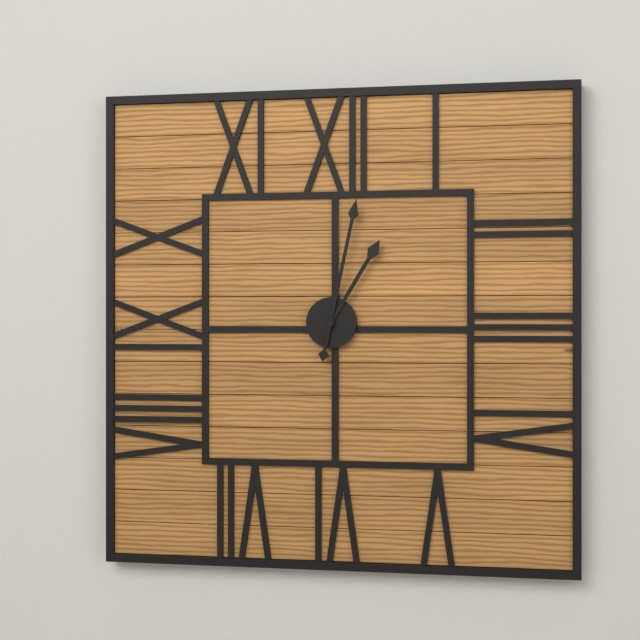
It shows 1h02
